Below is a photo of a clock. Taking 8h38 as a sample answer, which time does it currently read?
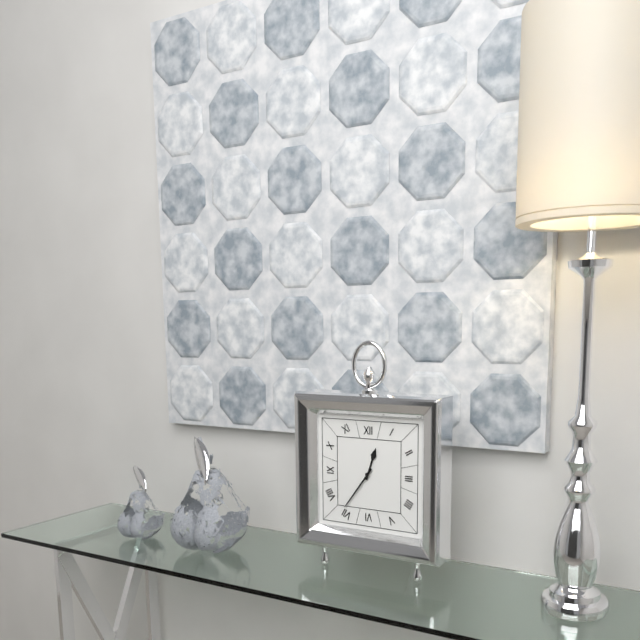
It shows 12h36
